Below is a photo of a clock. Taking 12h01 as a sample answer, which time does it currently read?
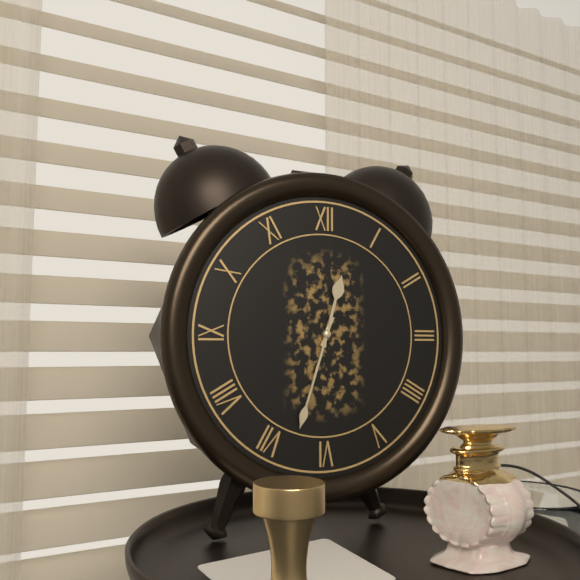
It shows 12h33
